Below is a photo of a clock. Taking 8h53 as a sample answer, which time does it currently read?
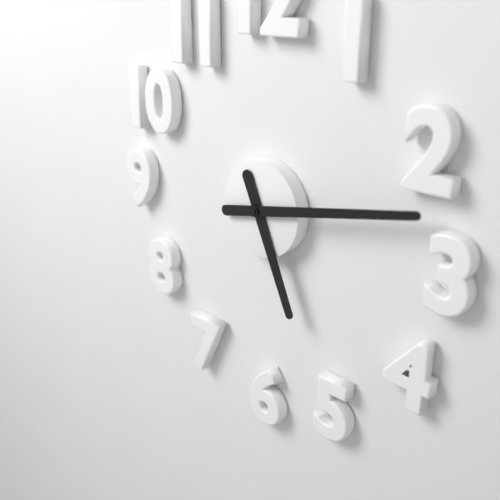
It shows 5h13
